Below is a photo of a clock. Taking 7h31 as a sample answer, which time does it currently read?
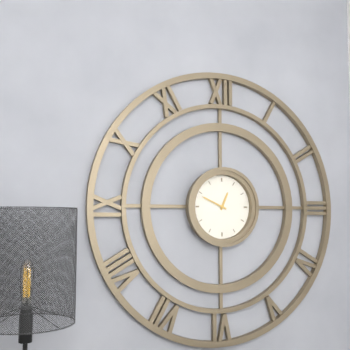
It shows 12h49
